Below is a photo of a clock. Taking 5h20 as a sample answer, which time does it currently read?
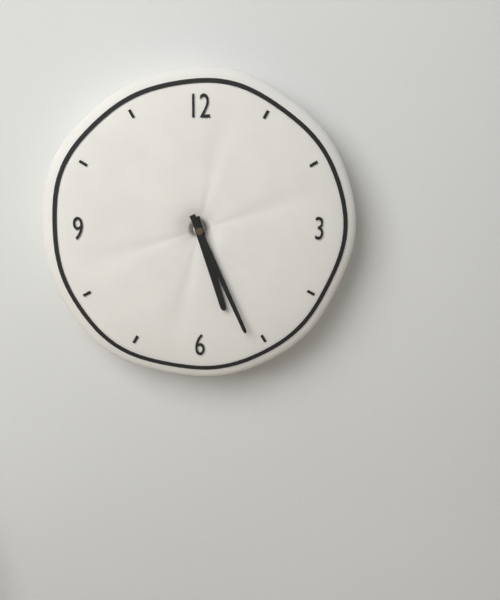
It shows 5h26
